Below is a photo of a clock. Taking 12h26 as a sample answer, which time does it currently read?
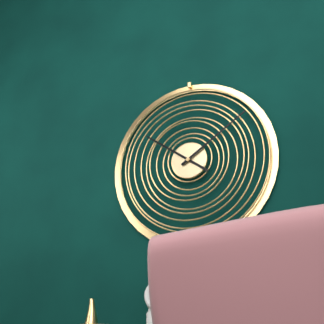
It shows 10h09
